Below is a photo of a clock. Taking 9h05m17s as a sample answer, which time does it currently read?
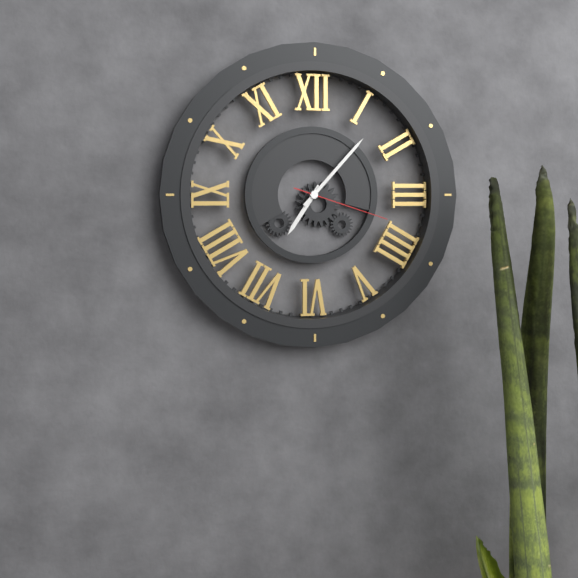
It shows 7h07m18s
